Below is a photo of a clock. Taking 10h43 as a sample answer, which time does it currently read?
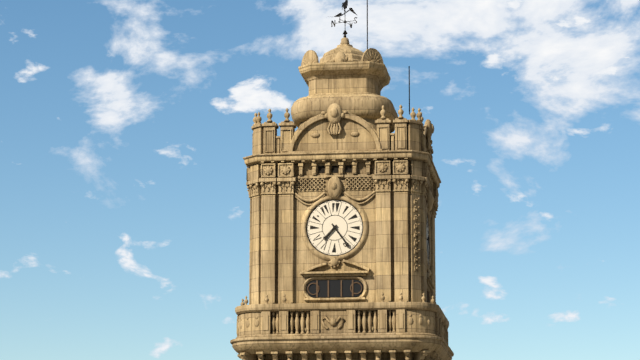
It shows 7h24
